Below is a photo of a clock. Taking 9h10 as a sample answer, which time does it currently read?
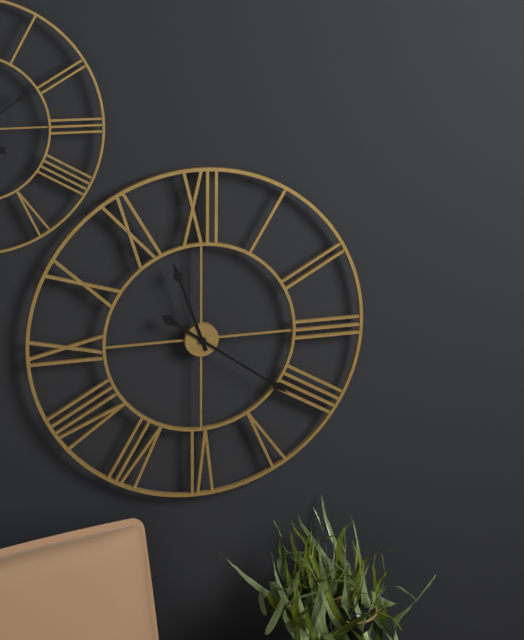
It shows 11h21
